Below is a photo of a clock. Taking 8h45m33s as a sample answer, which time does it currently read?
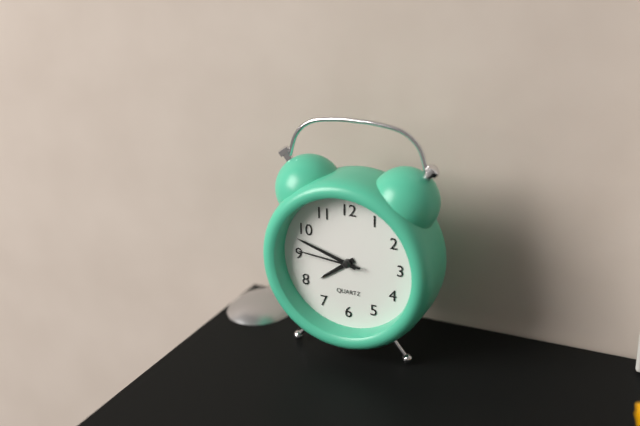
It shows 7h48m46s
